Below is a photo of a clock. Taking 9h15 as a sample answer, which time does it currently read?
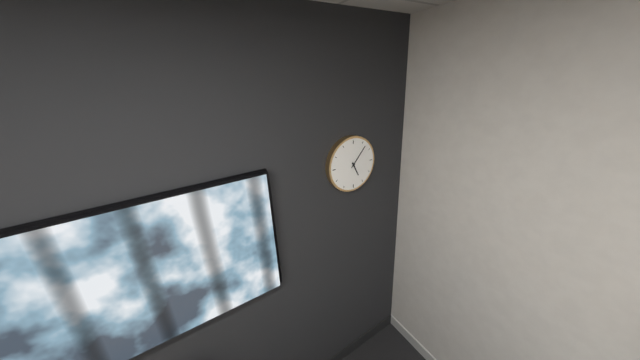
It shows 5h07
